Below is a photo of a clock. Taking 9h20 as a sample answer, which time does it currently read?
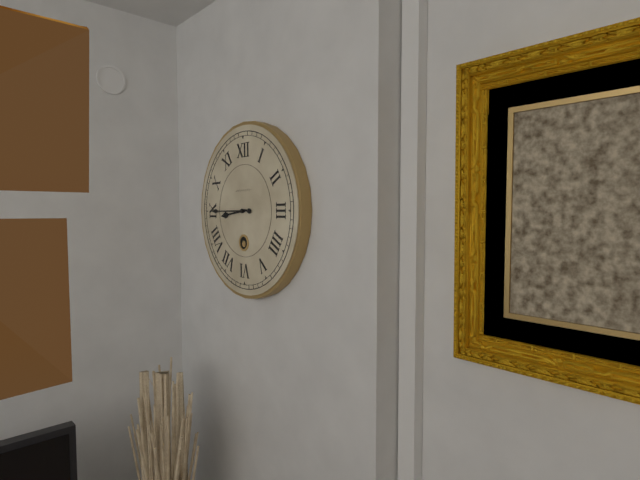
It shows 8h45
